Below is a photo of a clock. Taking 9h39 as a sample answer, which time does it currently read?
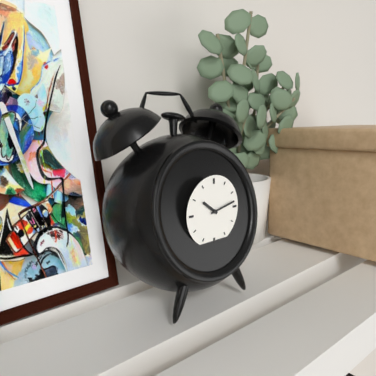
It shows 10h13
